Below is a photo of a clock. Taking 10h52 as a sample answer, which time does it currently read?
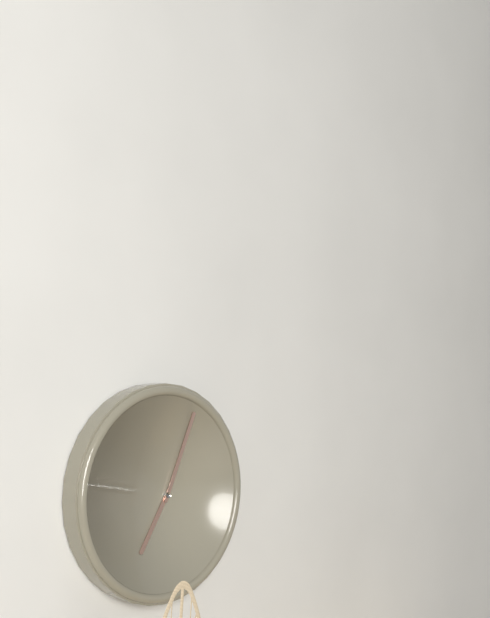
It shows 7h04
